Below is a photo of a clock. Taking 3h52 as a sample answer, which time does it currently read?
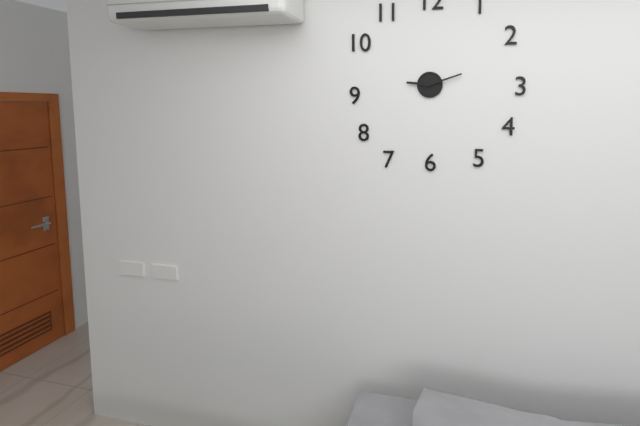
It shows 9h12
